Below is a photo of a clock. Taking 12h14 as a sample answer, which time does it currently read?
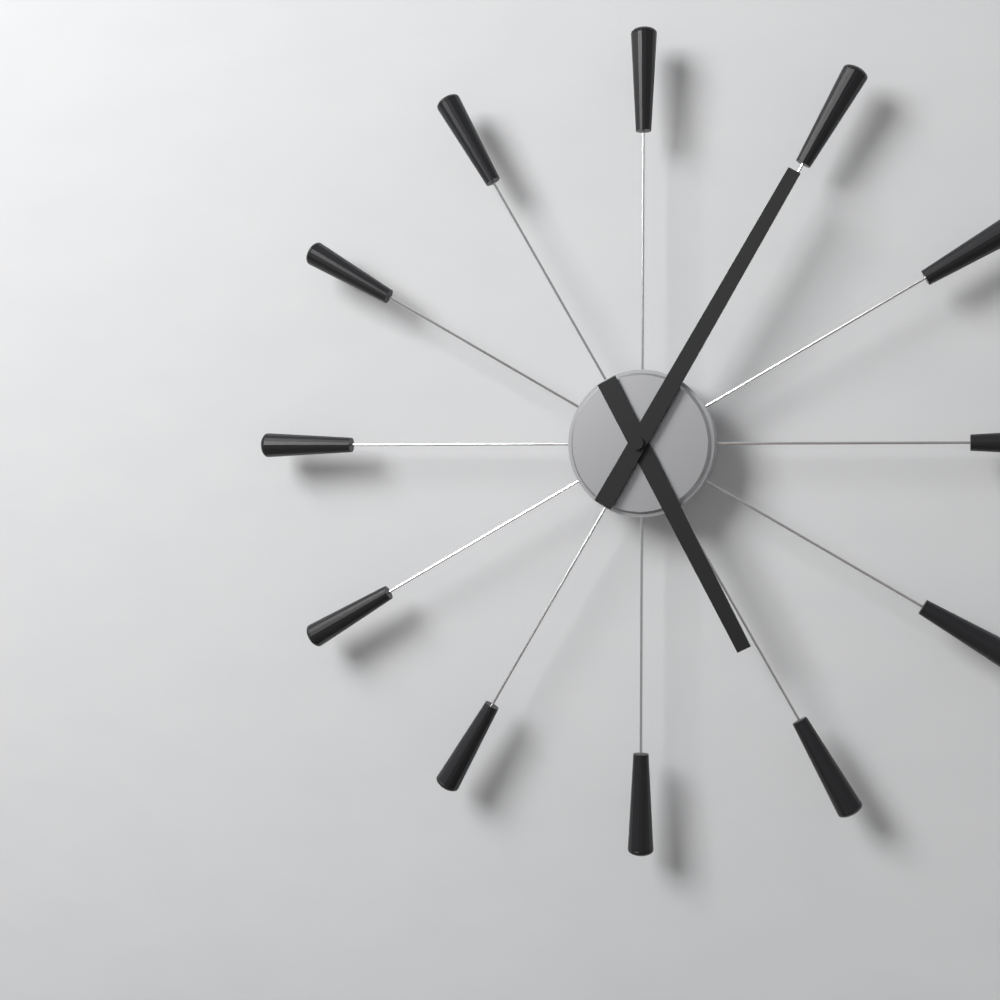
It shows 5h05
